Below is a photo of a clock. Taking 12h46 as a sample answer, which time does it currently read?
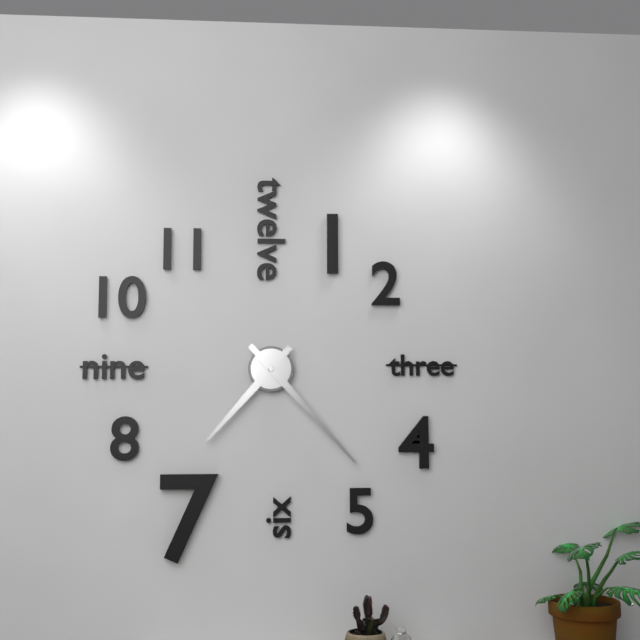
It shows 7h23
